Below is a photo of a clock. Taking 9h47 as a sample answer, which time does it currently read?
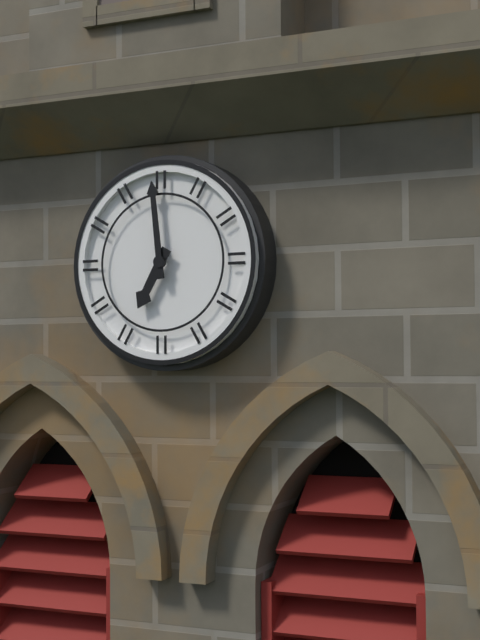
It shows 6h59
